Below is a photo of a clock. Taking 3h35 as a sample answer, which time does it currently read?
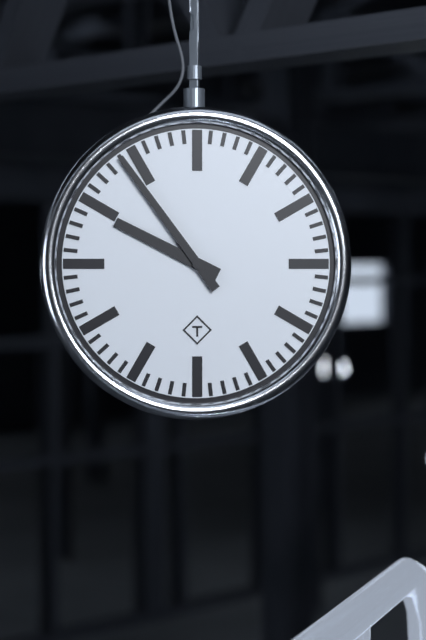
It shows 9h54
